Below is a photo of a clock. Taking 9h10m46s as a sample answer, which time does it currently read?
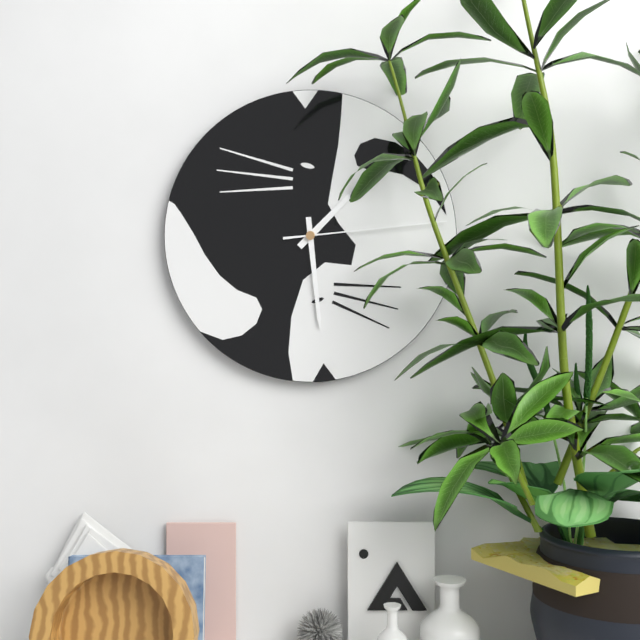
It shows 1h29m14s
